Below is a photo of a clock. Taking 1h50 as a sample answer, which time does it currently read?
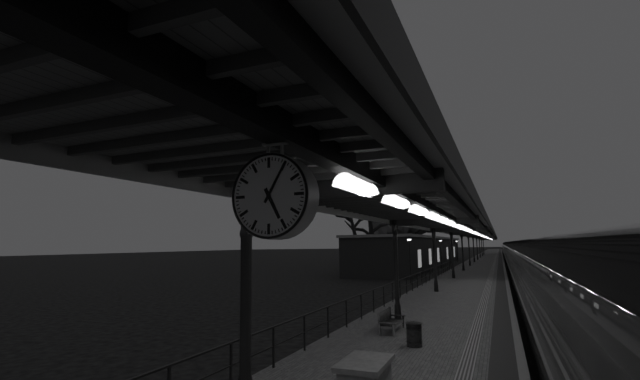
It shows 5h05
